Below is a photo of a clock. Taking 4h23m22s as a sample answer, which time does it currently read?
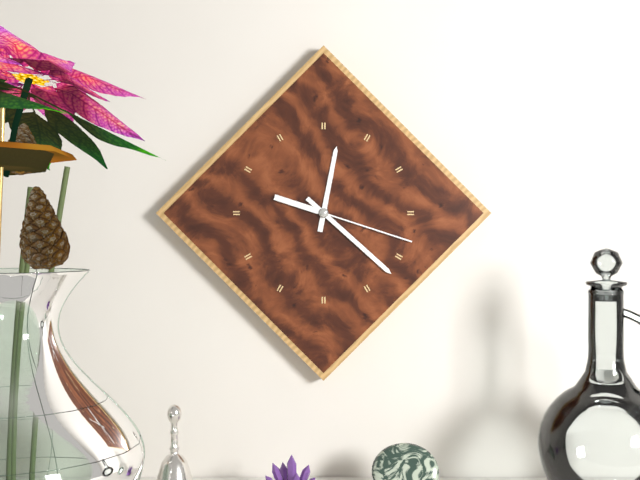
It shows 12h22m18s
